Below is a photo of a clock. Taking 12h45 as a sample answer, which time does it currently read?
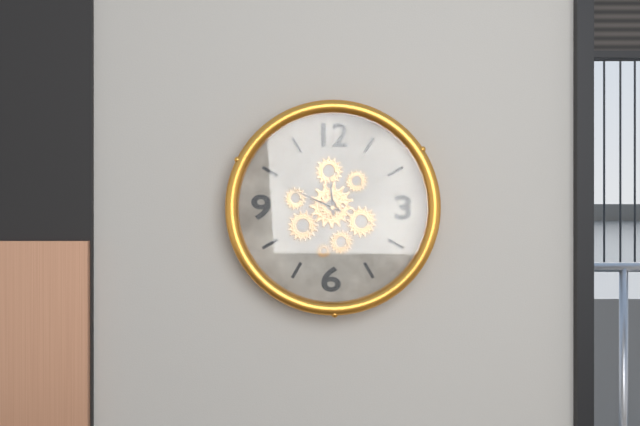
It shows 11h49
